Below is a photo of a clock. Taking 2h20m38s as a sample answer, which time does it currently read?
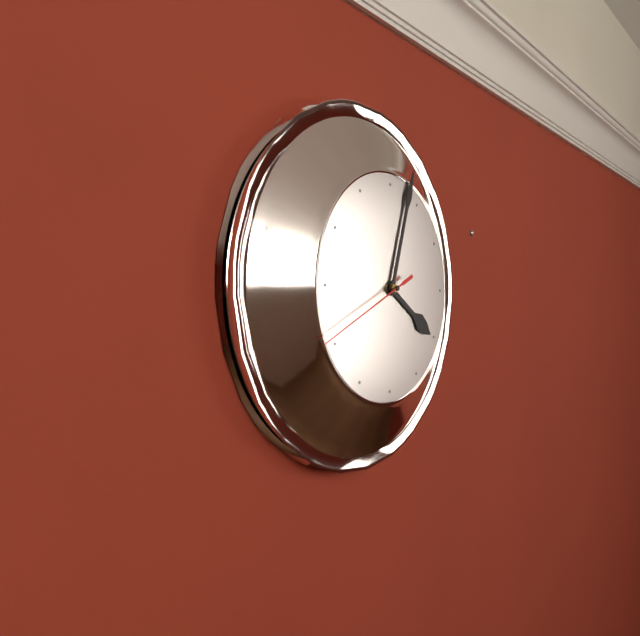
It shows 4h03m41s
